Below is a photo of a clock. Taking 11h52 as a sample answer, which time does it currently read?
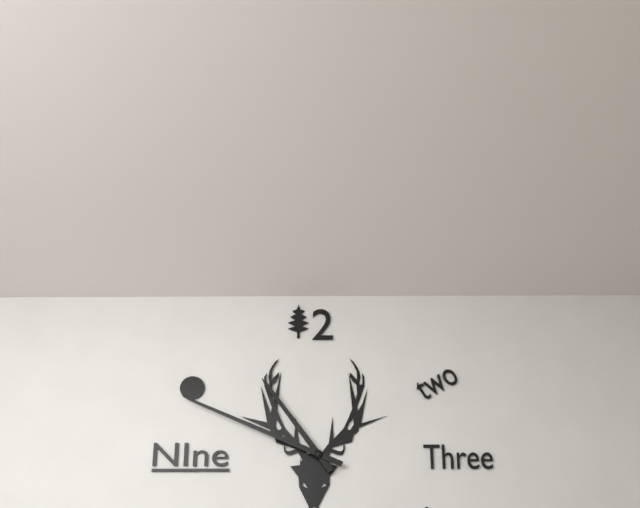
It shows 10h49
